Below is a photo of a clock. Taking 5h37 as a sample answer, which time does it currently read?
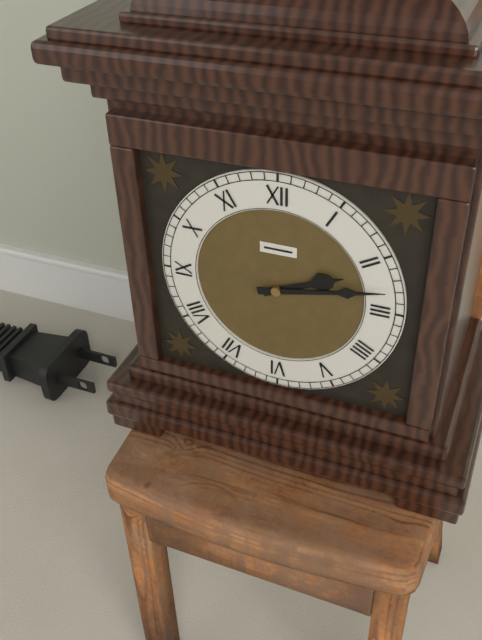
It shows 2h13
